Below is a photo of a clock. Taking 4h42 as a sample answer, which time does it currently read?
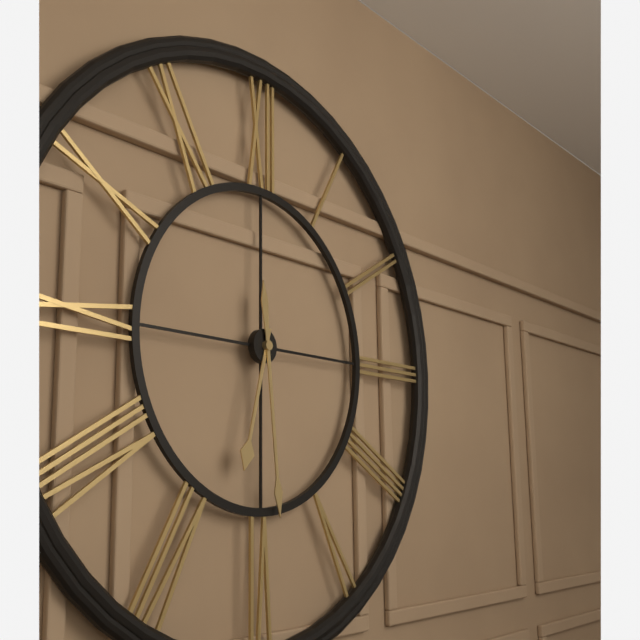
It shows 6h29
